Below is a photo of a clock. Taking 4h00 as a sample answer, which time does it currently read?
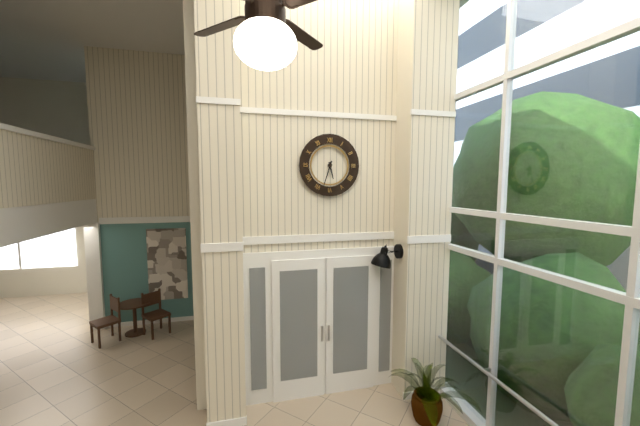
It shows 5h33
